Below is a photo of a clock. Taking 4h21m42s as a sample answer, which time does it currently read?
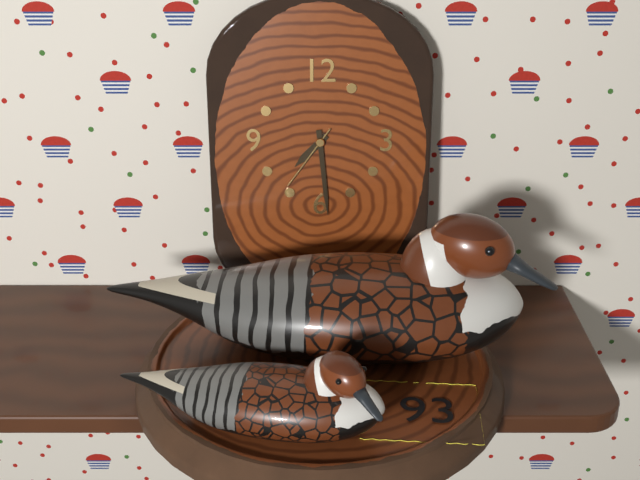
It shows 7h29m36s
